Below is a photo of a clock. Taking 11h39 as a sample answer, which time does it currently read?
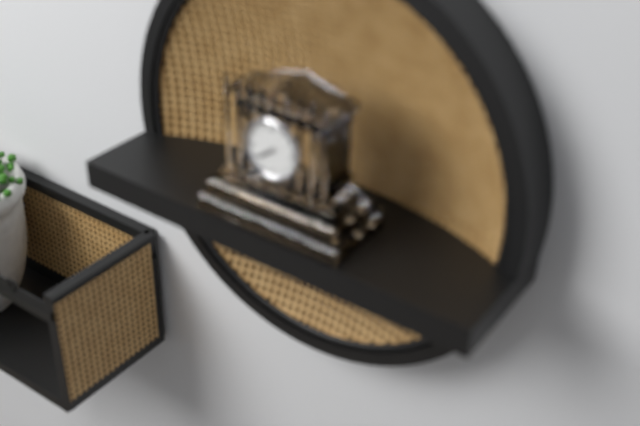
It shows 7h39
